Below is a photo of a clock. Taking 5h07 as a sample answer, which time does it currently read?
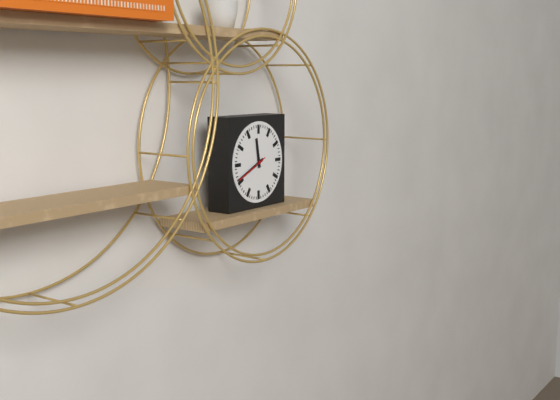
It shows 11h41
